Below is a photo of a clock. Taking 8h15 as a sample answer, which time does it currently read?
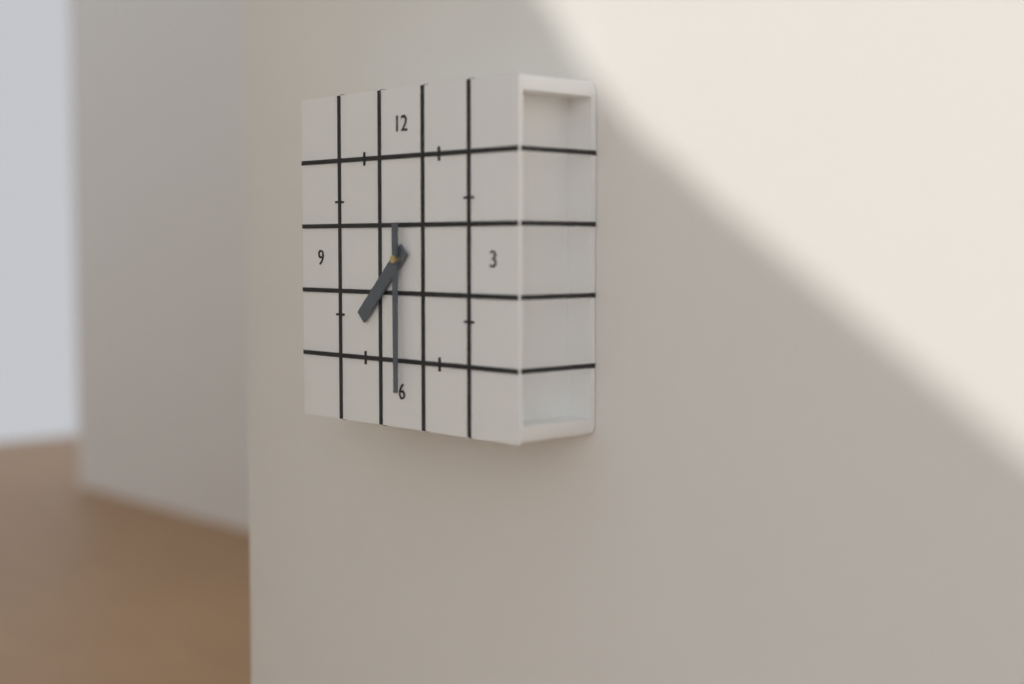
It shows 7h30
